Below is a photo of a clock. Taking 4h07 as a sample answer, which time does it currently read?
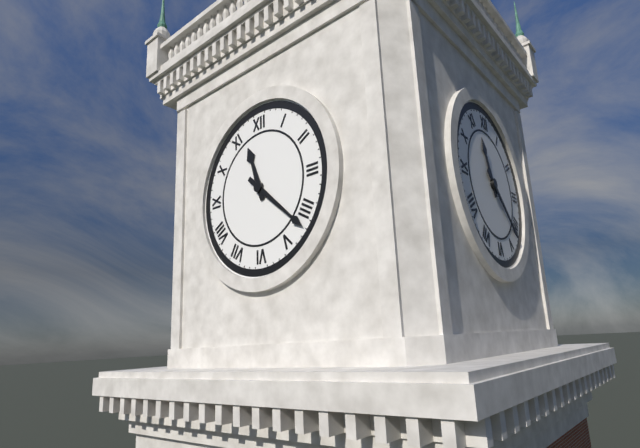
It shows 11h22
